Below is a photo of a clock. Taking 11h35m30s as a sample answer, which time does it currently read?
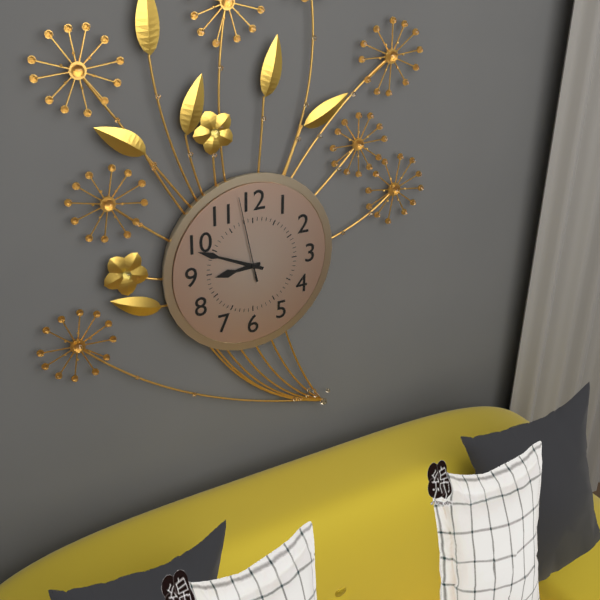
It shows 8h49m58s
